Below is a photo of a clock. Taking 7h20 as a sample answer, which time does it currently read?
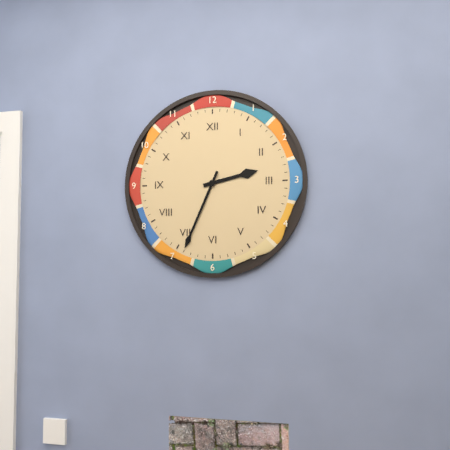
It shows 2h34
